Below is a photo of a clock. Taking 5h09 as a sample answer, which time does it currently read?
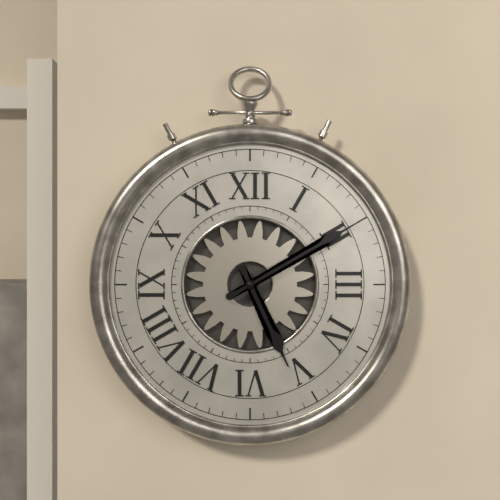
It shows 5h10
